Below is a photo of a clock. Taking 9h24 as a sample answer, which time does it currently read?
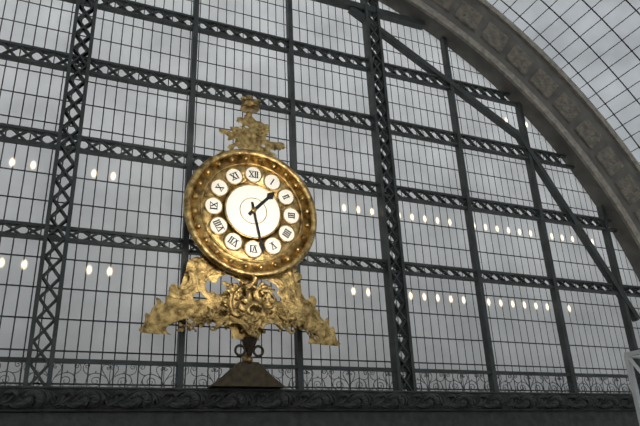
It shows 1h28
